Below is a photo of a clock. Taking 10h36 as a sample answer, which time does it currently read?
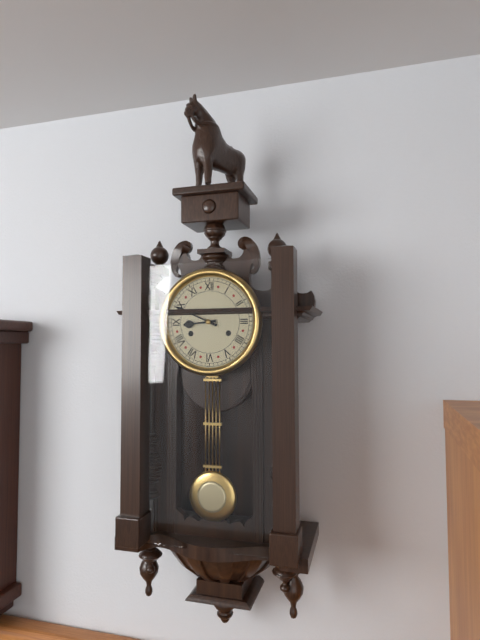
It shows 8h49
